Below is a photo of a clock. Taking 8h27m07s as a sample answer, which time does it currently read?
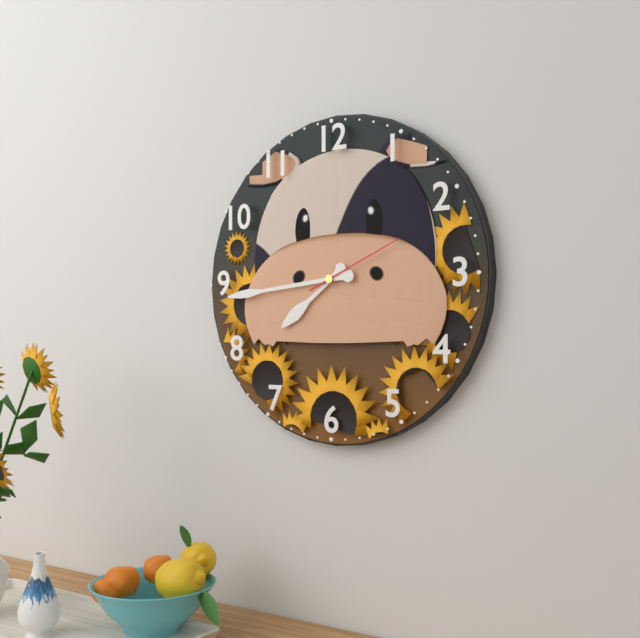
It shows 7h44m11s
